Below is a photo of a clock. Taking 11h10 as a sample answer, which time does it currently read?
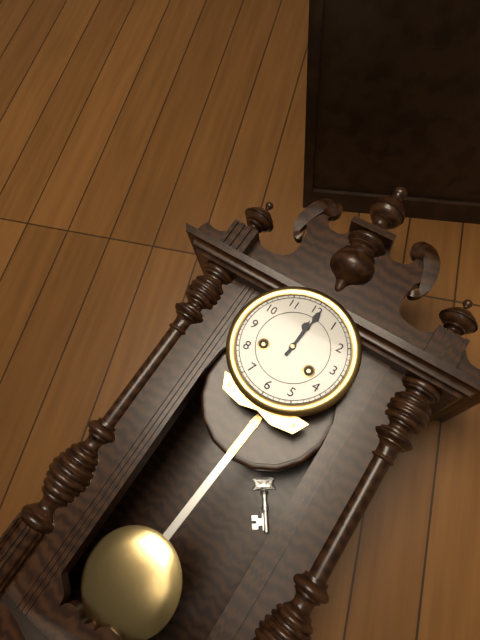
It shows 12h01
